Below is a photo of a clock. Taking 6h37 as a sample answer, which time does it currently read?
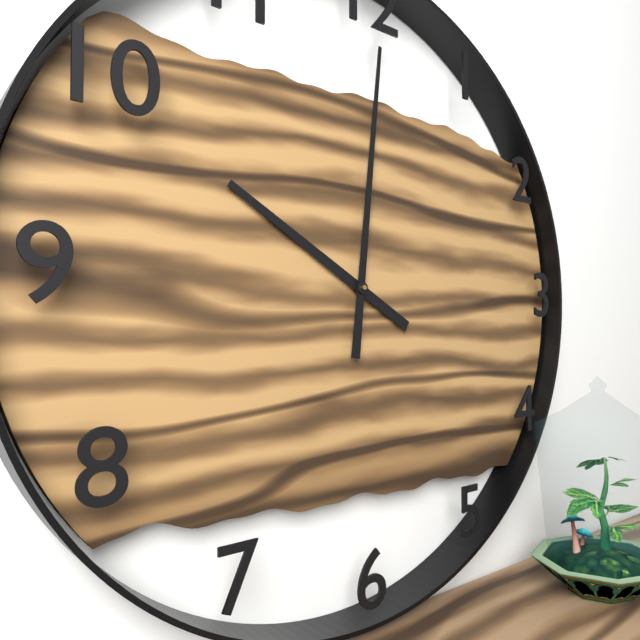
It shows 10h01
